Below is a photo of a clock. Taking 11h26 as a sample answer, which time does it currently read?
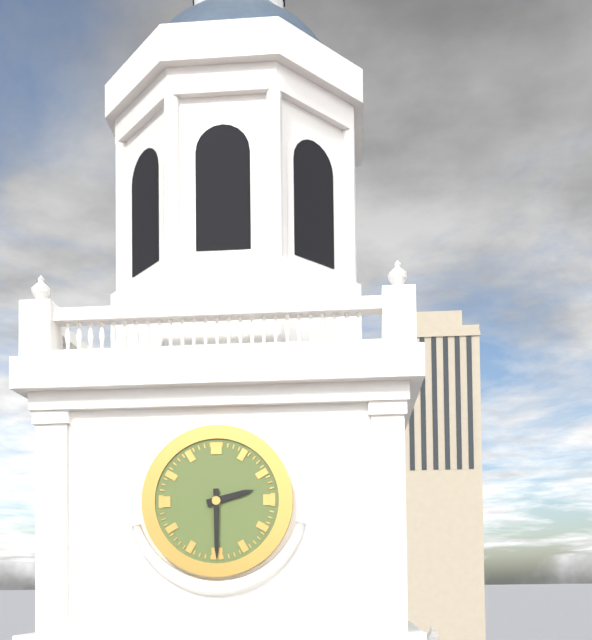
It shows 2h30
